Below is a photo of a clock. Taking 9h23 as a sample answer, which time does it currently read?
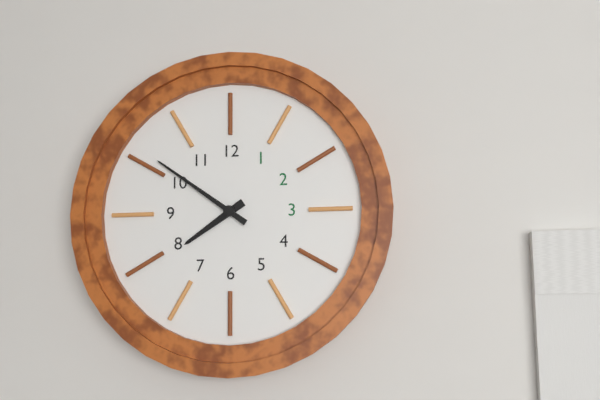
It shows 7h51
